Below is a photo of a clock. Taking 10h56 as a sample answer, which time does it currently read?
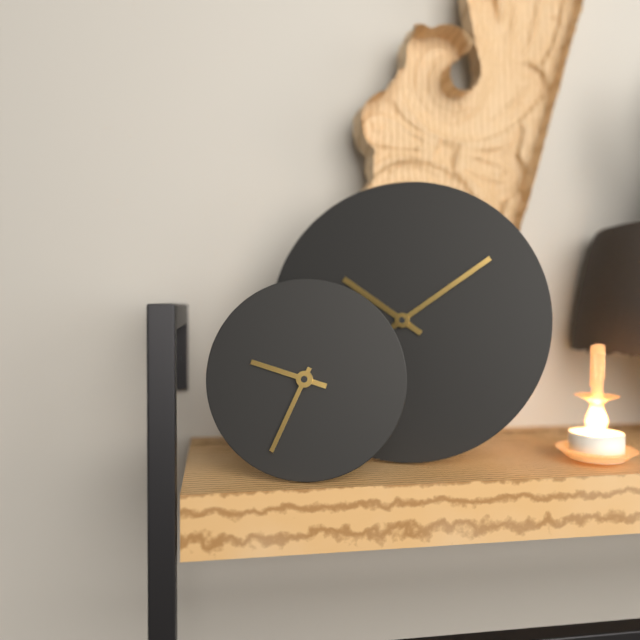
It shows 9h34
